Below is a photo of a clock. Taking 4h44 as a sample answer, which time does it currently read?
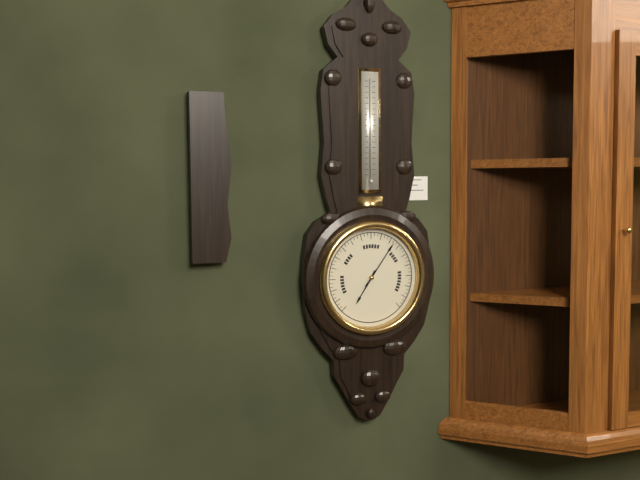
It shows 7h06
